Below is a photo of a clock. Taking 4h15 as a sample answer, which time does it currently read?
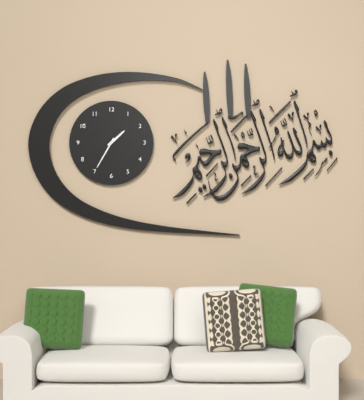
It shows 1h35
